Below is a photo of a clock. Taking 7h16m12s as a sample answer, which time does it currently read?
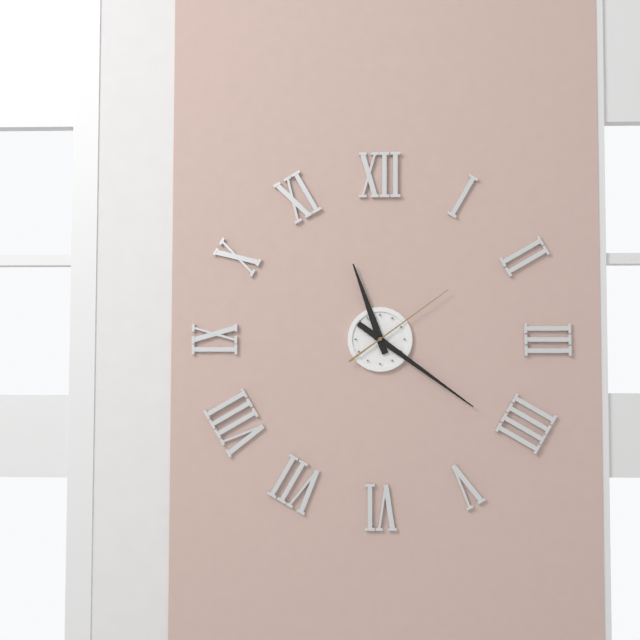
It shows 11h21m09s
